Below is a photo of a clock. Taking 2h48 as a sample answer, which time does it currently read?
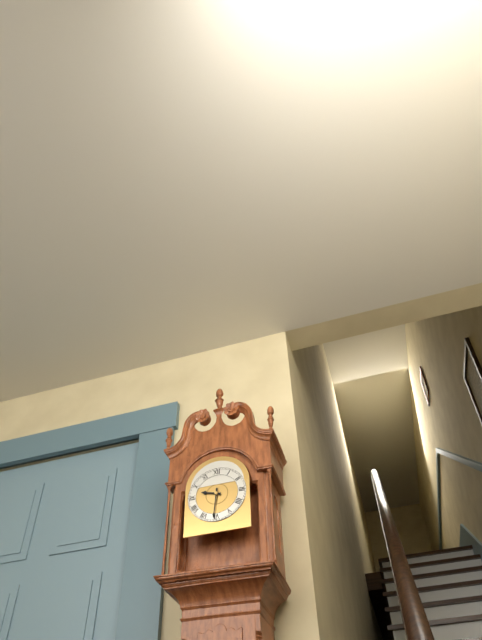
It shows 9h31
